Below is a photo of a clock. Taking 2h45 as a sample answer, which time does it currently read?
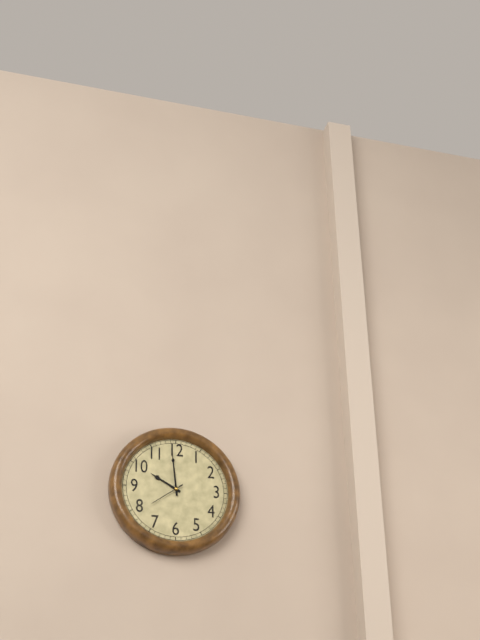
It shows 9h59
